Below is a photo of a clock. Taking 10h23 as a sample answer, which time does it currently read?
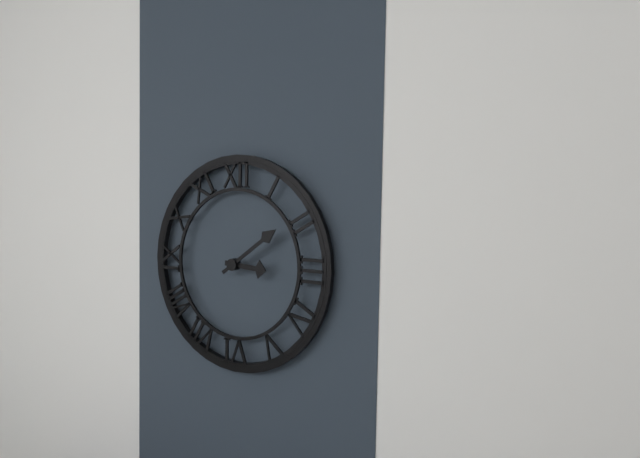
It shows 3h09
